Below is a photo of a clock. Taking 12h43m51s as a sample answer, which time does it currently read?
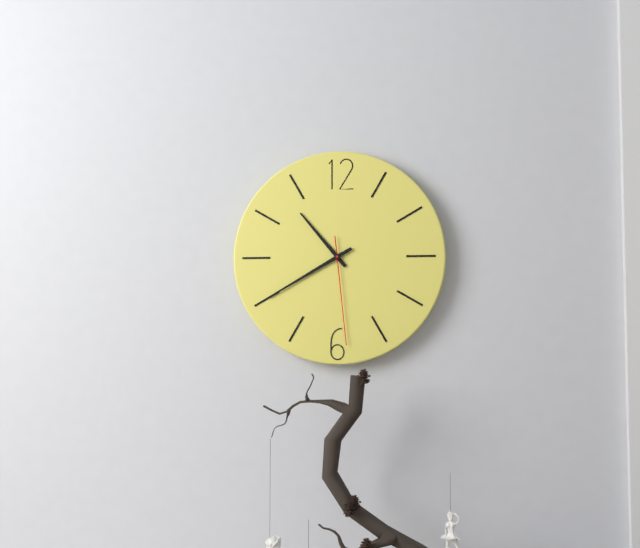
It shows 10h40m29s
